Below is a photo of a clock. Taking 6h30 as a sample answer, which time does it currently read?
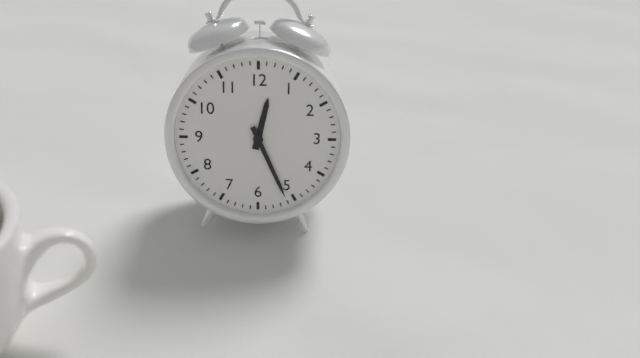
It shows 12h26
